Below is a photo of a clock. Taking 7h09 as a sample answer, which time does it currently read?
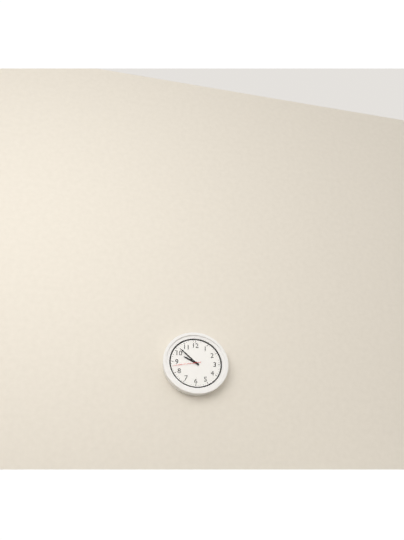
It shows 9h52
